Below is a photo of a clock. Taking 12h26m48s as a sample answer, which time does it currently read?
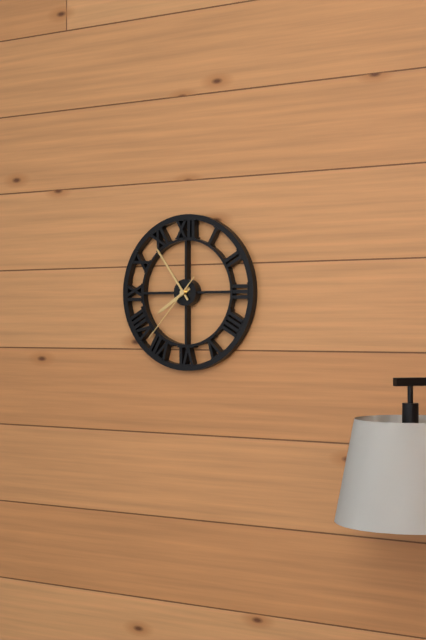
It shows 7h54m37s
